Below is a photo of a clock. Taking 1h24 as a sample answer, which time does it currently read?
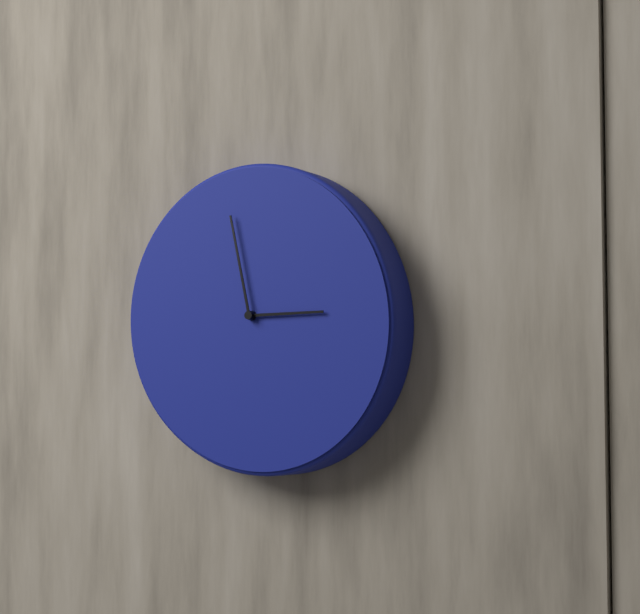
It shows 2h58
